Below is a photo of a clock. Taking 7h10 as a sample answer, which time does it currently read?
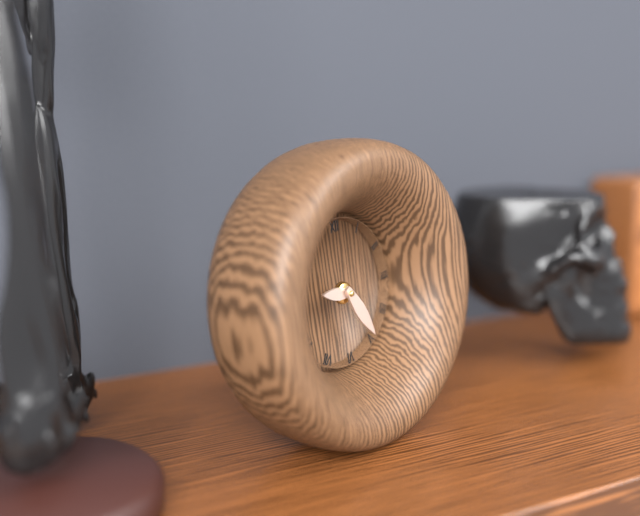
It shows 9h25
